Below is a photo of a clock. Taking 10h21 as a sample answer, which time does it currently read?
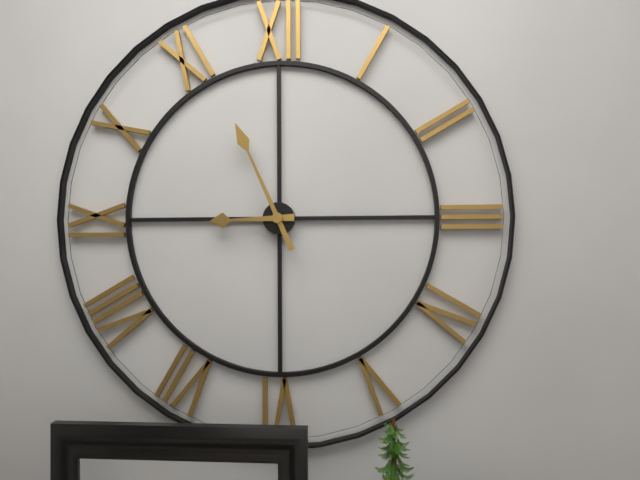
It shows 8h56
